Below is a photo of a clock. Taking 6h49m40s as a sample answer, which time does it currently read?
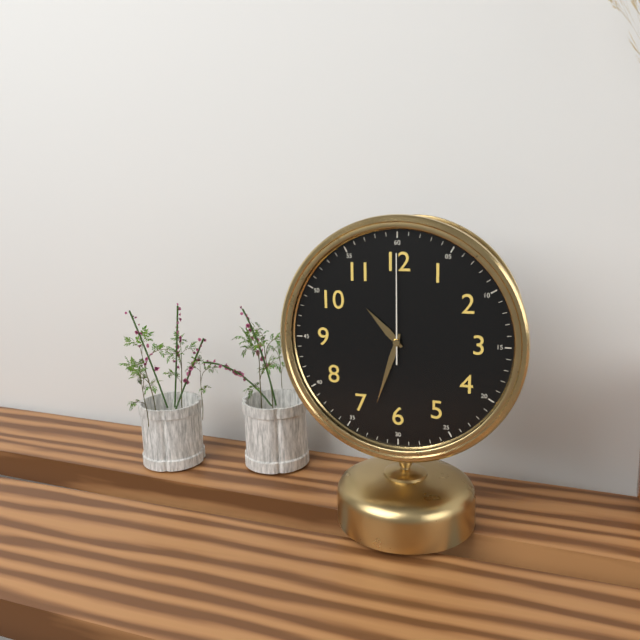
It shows 10h33m00s
